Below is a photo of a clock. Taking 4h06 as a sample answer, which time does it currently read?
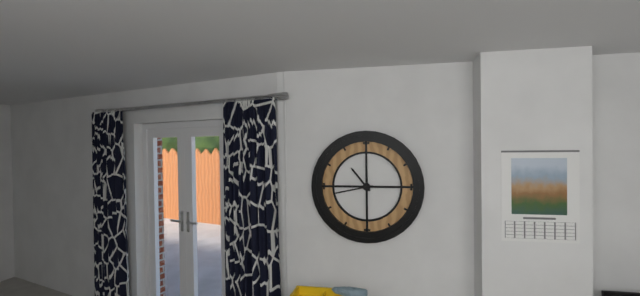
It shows 10h43
